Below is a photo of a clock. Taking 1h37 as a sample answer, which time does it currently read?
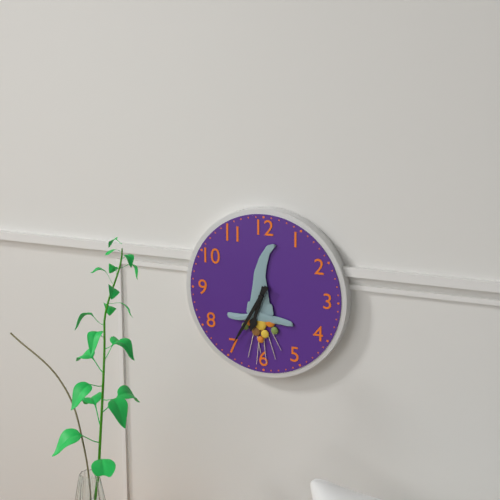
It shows 6h35
